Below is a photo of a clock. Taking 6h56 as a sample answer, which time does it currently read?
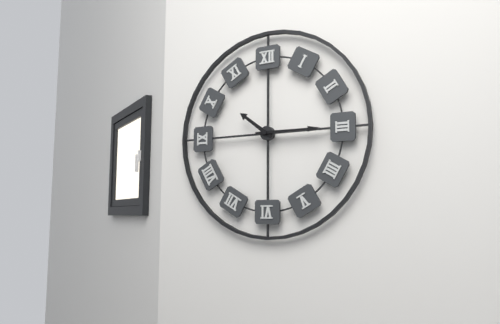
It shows 10h15
